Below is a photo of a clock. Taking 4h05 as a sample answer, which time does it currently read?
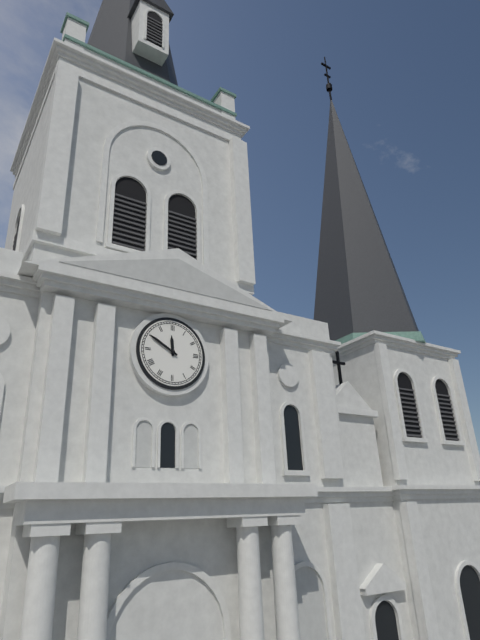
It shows 11h50
